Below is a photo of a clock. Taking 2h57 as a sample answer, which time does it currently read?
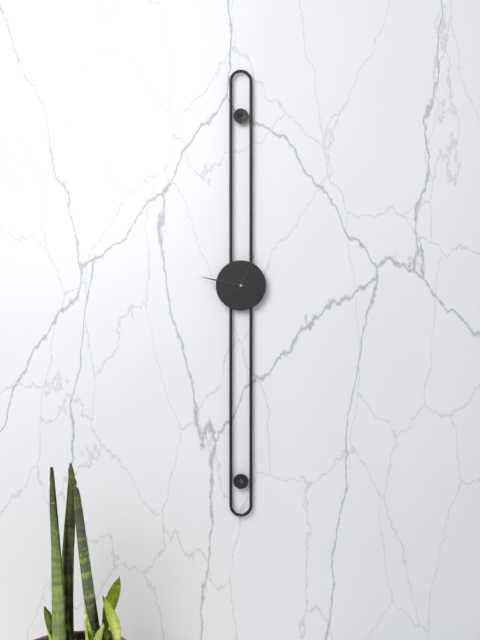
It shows 12h47
